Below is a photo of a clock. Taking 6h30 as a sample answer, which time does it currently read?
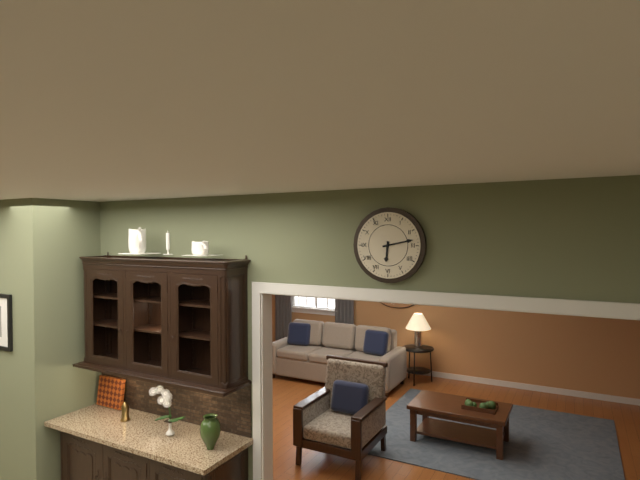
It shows 6h13
